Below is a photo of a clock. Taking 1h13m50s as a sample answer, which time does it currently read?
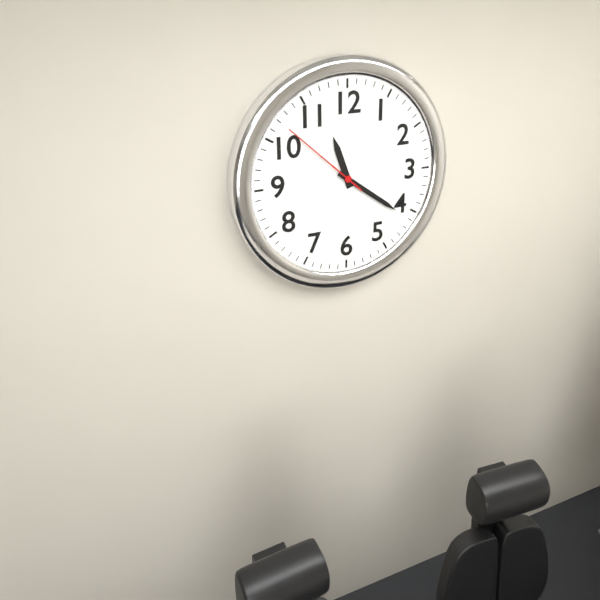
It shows 11h21m52s
